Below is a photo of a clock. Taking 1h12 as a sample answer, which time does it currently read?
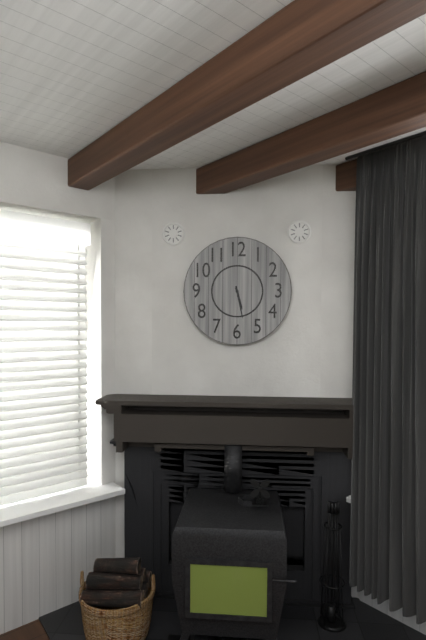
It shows 5h28
